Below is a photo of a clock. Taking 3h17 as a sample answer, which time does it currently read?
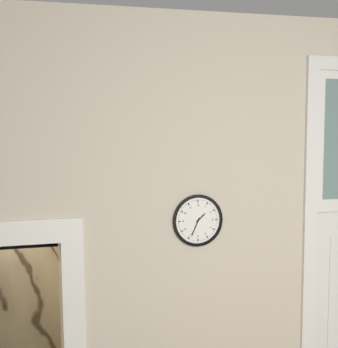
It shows 1h34
